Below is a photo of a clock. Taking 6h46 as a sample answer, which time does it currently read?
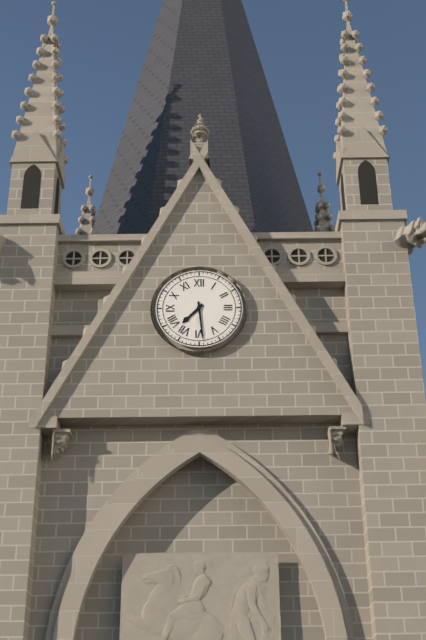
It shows 7h29
